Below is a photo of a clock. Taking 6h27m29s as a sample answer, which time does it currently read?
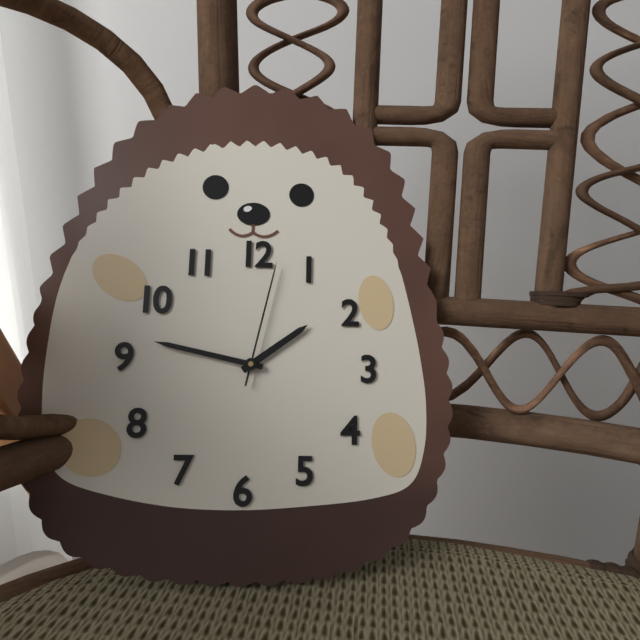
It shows 1h47m02s
